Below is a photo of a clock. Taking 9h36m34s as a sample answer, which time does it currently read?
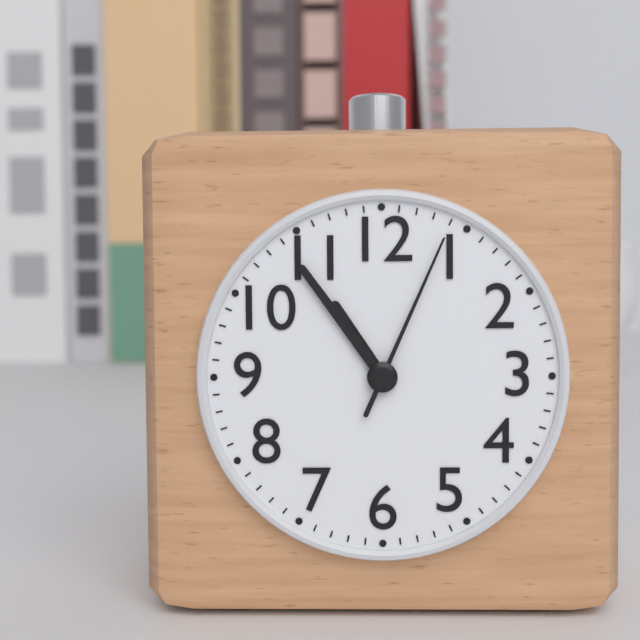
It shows 10h54m04s
